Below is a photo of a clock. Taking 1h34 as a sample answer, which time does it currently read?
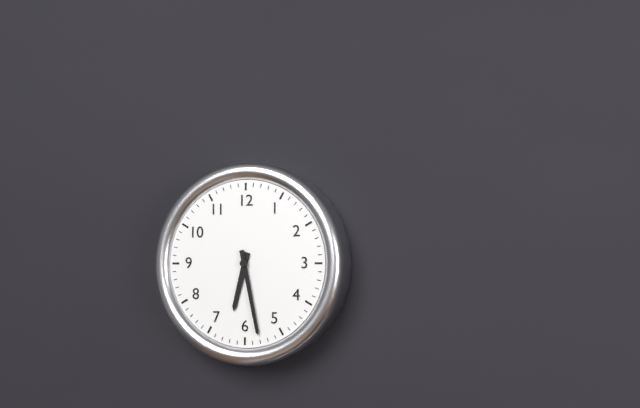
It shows 6h28
